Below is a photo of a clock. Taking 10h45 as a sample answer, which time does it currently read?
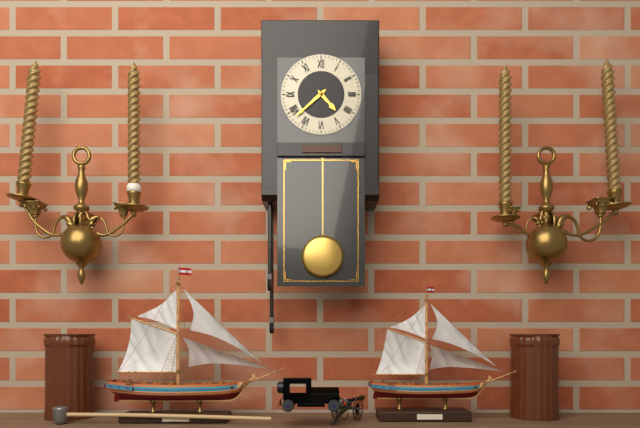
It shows 4h38
